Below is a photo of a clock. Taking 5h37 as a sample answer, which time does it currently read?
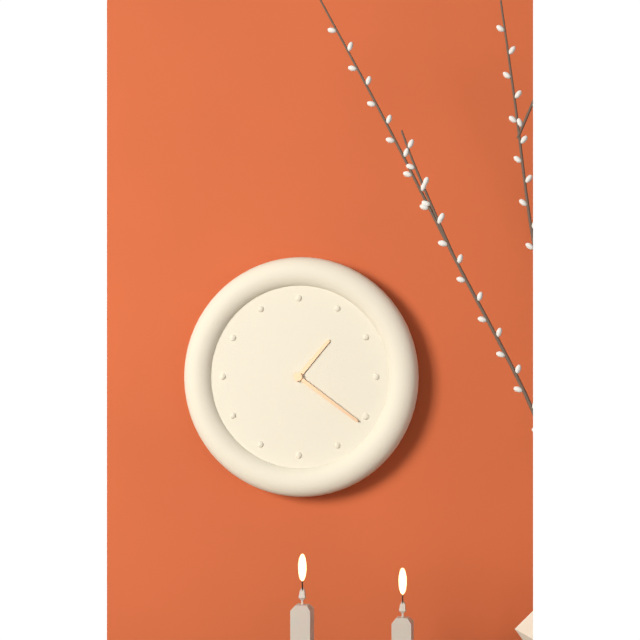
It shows 1h21
